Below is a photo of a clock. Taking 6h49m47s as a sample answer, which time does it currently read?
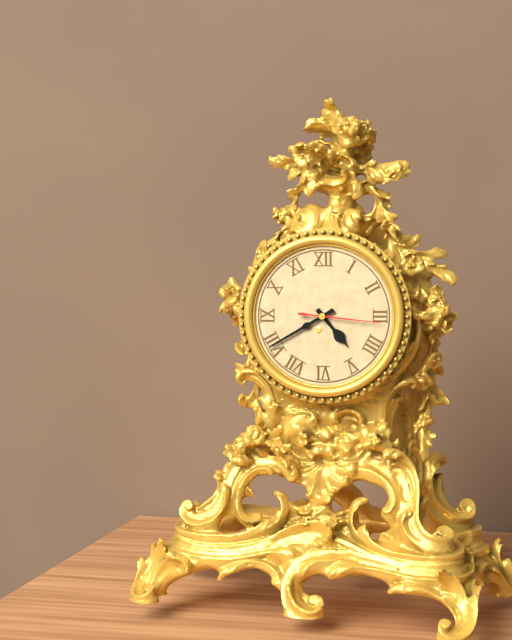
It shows 4h40m16s
